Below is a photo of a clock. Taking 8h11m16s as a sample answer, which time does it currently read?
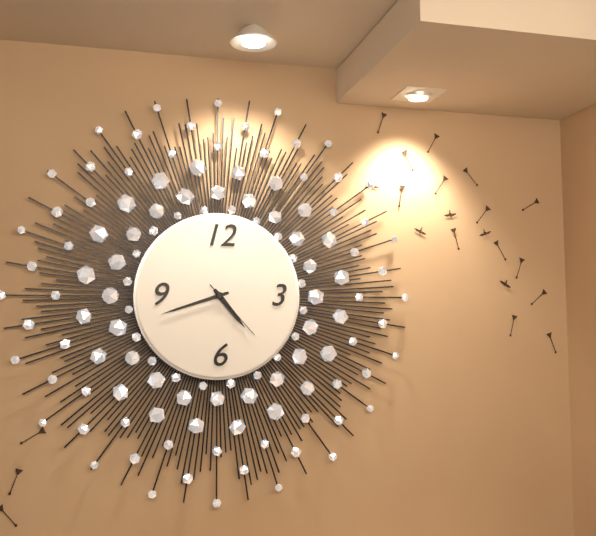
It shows 4h42m23s
